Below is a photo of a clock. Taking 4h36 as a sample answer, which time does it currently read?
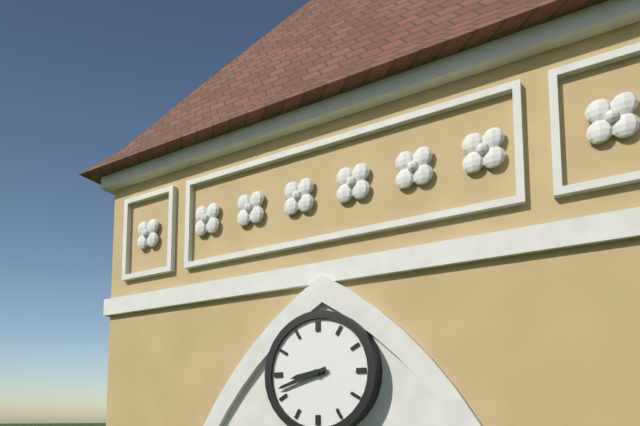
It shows 8h42
